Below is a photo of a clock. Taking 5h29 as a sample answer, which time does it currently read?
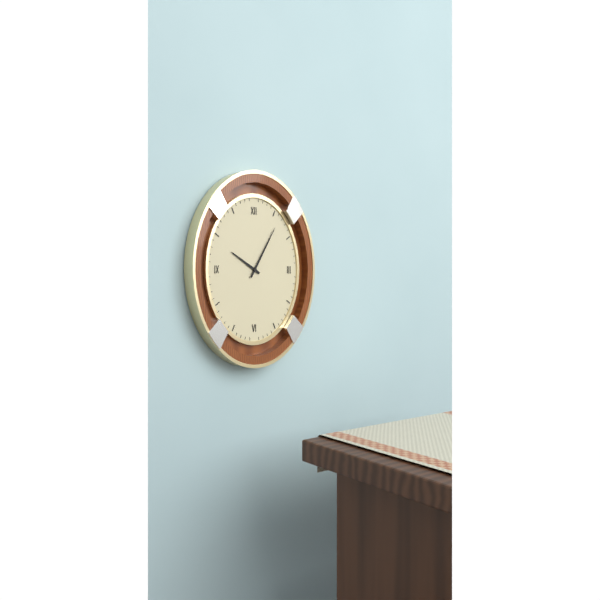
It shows 10h05
